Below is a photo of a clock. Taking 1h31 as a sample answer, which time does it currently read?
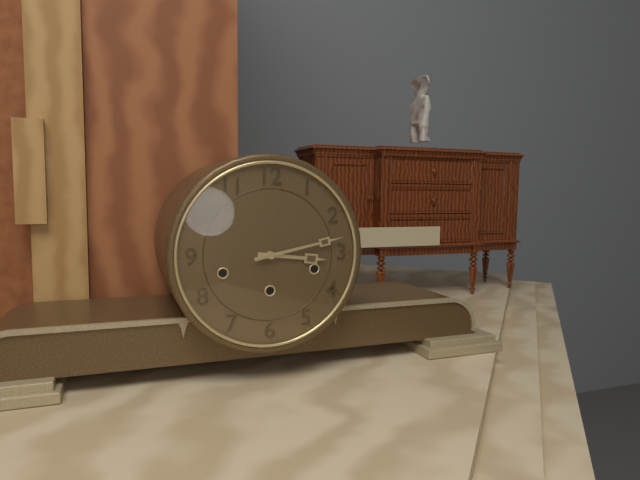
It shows 3h13
